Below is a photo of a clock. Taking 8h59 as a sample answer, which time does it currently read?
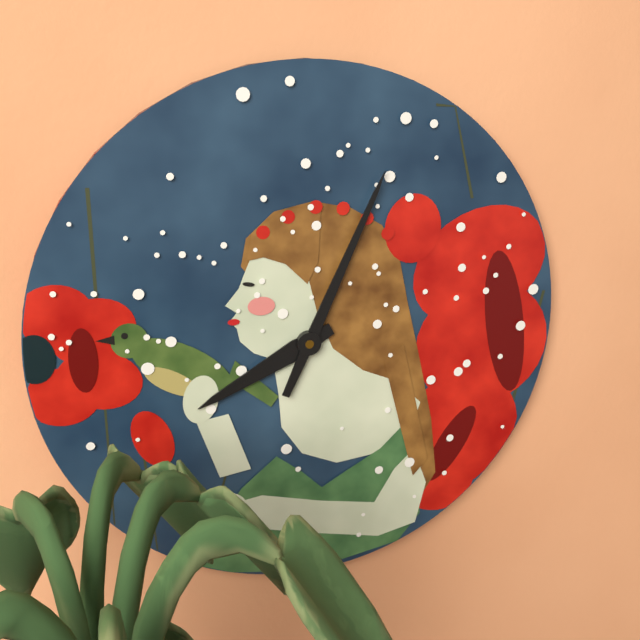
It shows 8h04
